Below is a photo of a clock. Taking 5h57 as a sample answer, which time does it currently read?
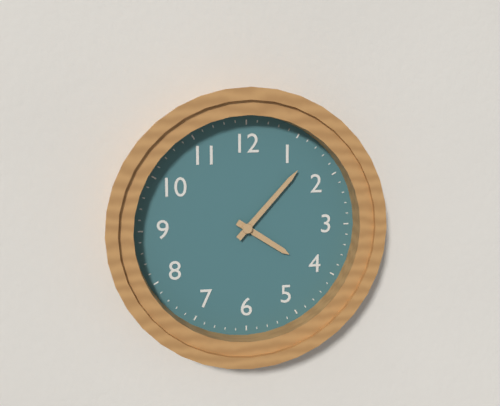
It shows 4h07
